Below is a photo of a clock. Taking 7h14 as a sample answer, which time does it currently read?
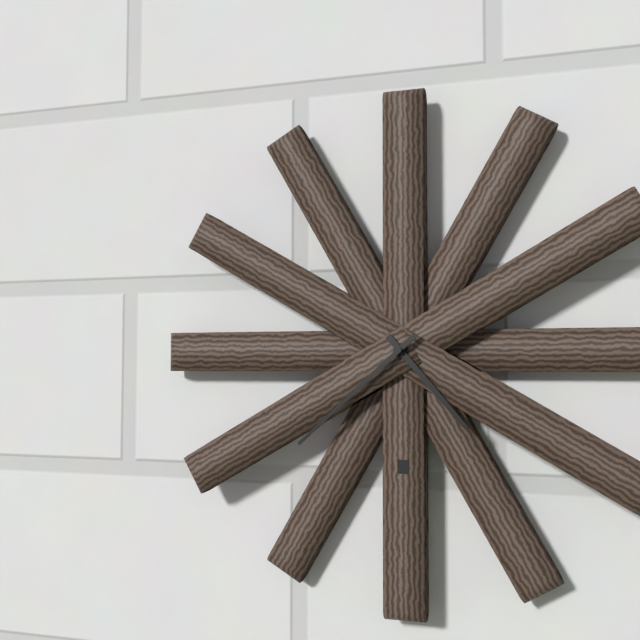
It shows 4h38
